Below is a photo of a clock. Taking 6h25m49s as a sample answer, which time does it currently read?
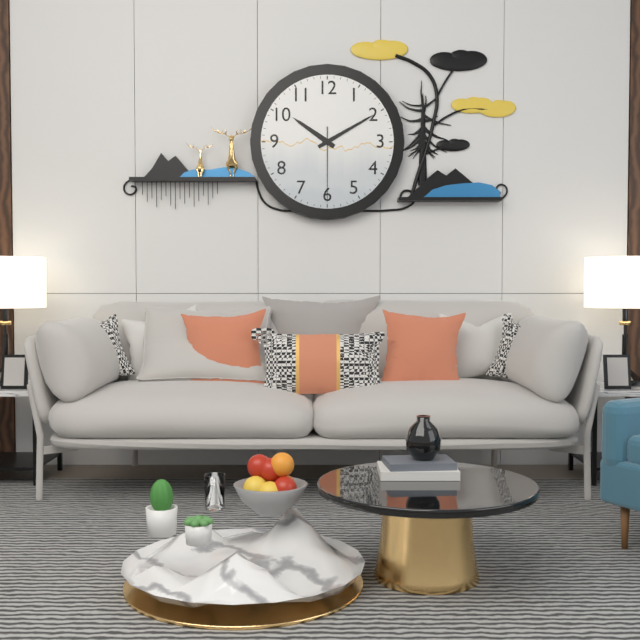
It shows 10h10m30s
